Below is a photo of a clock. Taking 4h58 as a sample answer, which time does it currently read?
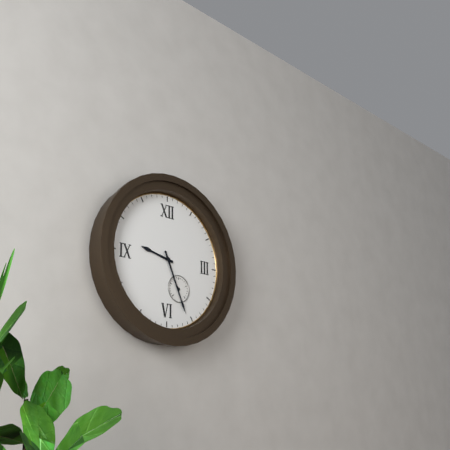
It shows 9h26
